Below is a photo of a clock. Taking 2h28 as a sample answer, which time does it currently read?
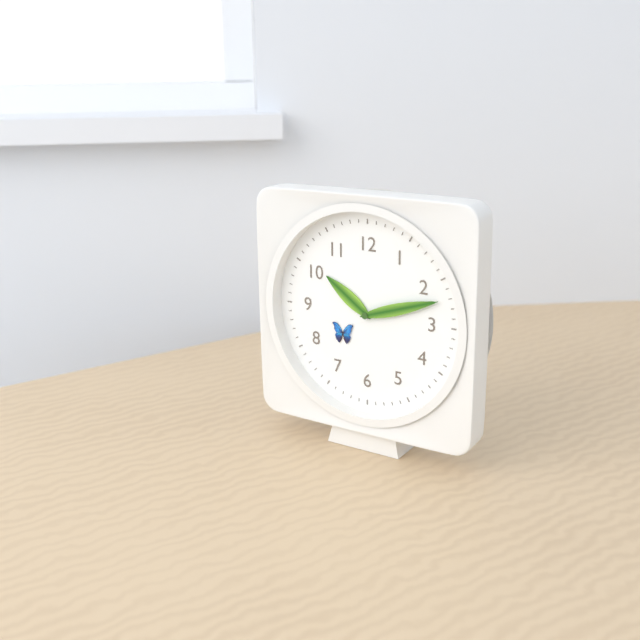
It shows 10h12
